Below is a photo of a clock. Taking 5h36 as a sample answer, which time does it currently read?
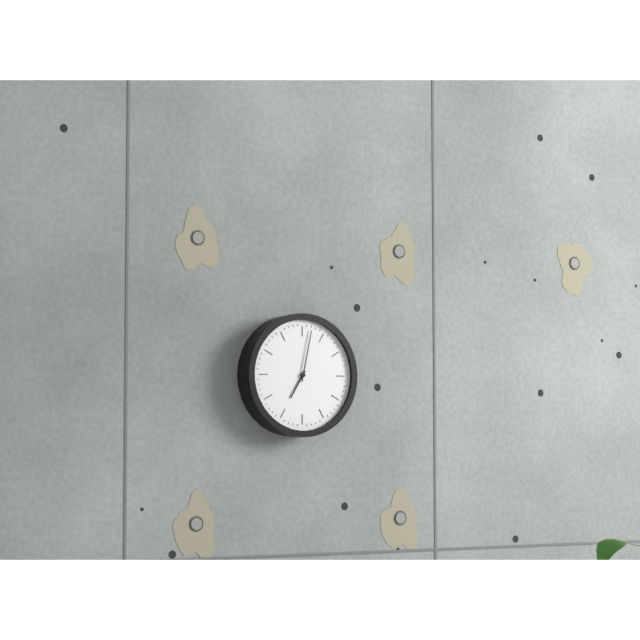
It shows 7h02
